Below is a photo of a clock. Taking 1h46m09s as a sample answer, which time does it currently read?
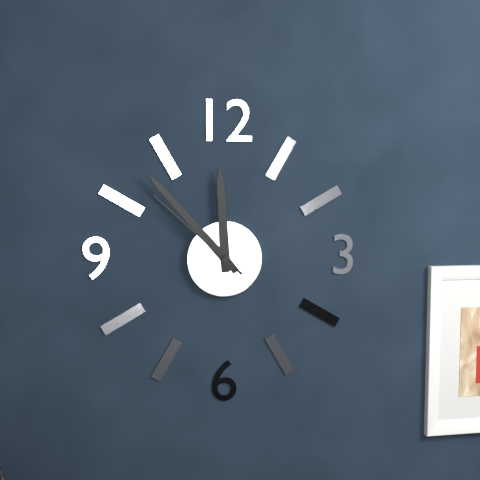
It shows 11h53m52s
